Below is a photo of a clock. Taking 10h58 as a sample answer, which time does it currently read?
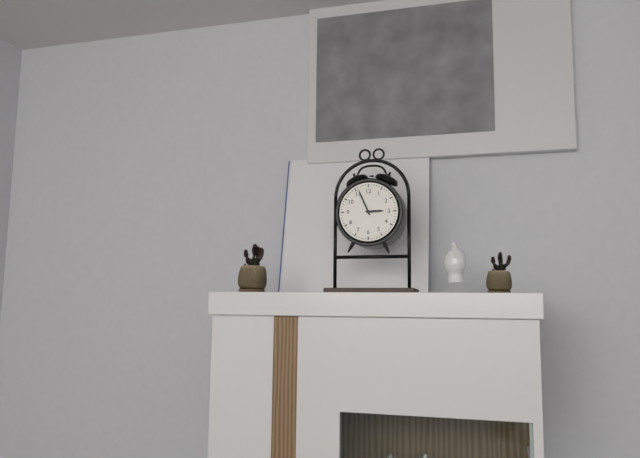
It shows 2h56
